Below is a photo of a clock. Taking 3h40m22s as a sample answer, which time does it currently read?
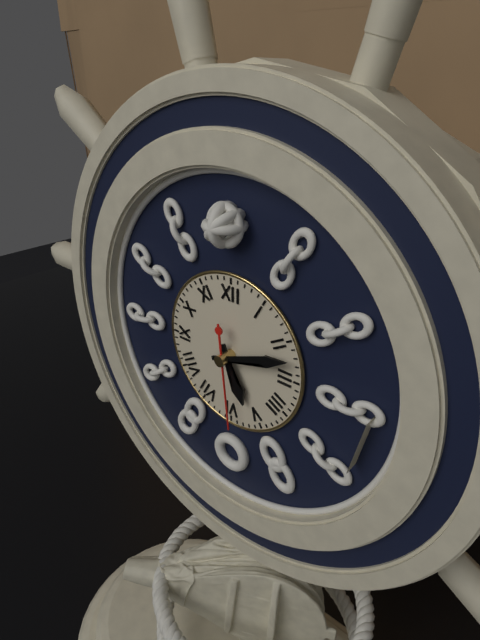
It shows 5h12m29s
